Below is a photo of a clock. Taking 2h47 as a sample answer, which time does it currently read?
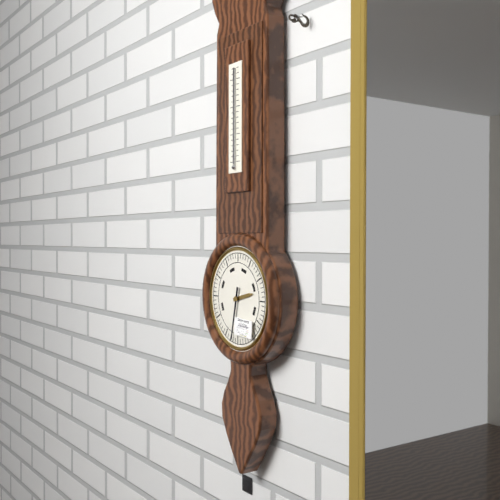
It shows 2h32
